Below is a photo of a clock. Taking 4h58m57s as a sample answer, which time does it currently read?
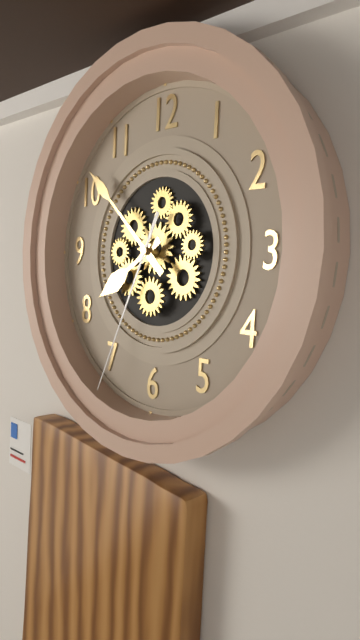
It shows 7h52m34s
